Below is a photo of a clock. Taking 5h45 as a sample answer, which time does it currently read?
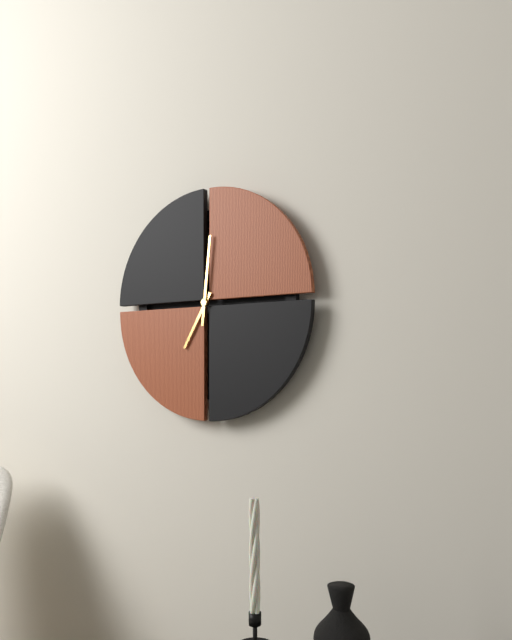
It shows 7h01
